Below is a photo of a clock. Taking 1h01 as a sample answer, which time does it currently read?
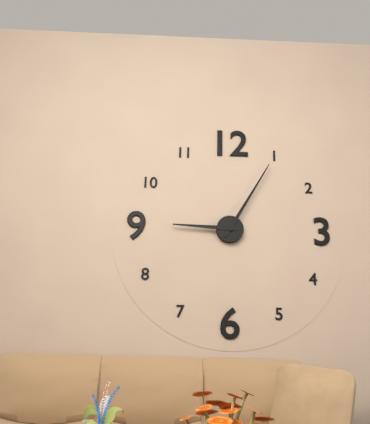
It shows 9h05
